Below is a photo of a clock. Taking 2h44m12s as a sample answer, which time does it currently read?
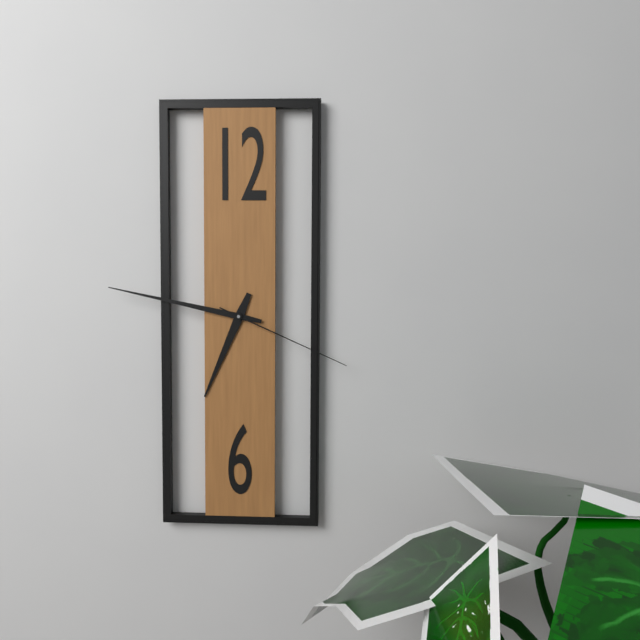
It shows 6h47m19s
